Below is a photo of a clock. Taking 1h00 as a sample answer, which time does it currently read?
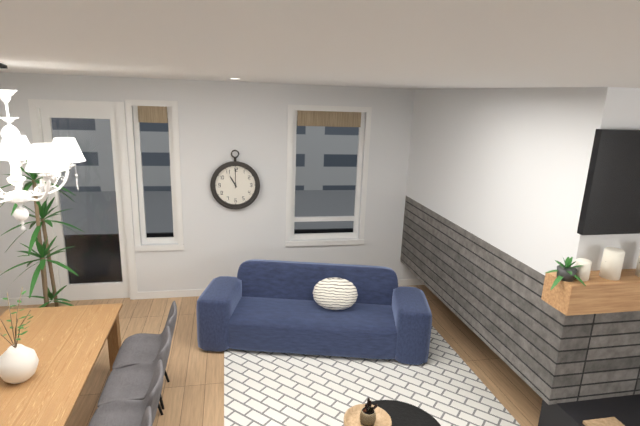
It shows 11h00
